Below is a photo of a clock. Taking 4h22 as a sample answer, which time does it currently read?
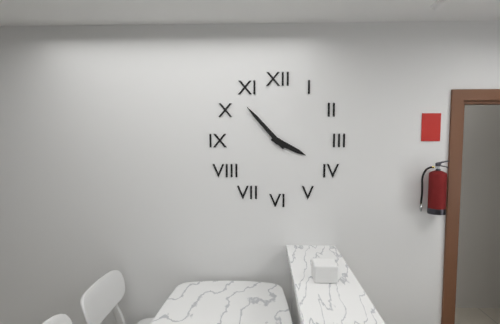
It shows 3h53
